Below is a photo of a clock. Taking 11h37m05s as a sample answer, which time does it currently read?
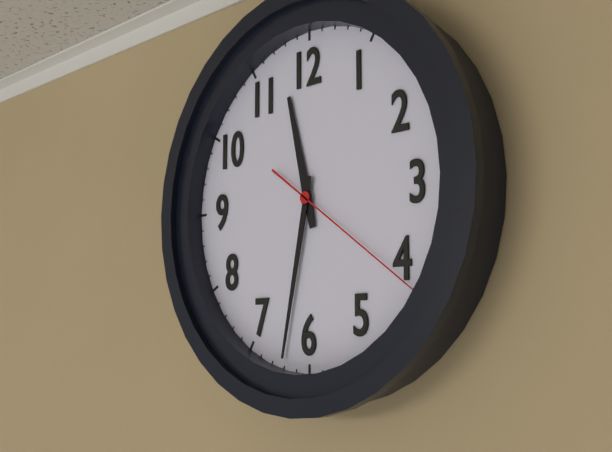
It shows 11h32m21s
